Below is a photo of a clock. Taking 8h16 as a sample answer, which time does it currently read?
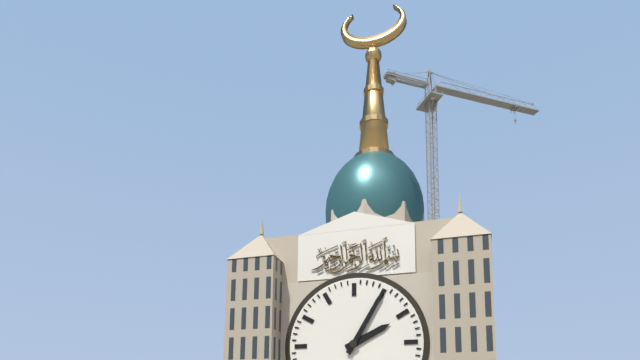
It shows 2h05
